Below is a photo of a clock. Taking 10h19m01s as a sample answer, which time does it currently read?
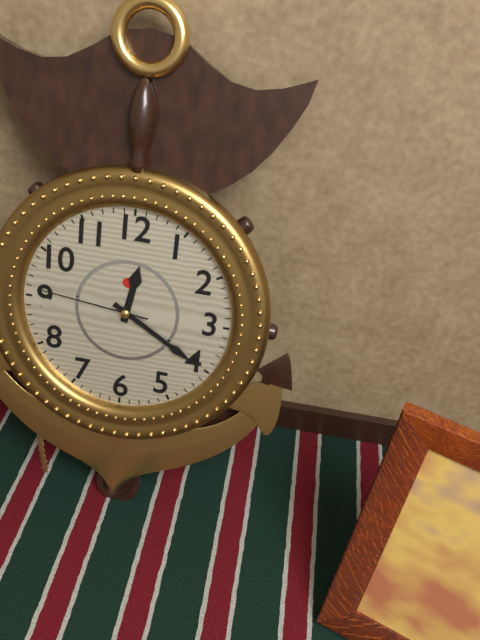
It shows 12h20m46s
